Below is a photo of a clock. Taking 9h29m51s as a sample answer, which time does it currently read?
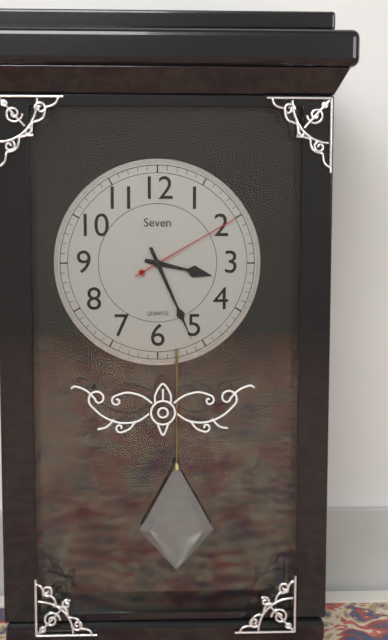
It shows 3h26m10s
